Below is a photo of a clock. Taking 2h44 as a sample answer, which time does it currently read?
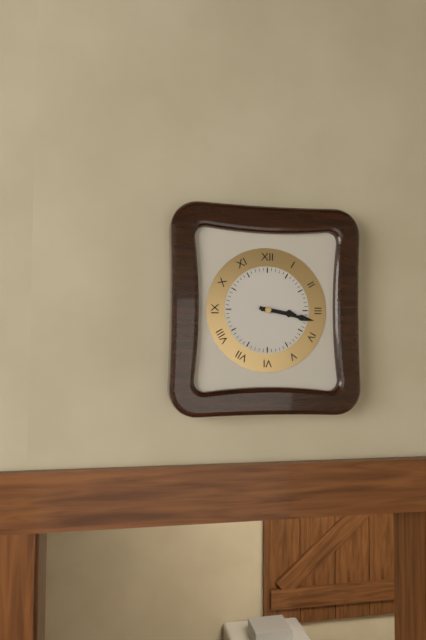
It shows 3h17
